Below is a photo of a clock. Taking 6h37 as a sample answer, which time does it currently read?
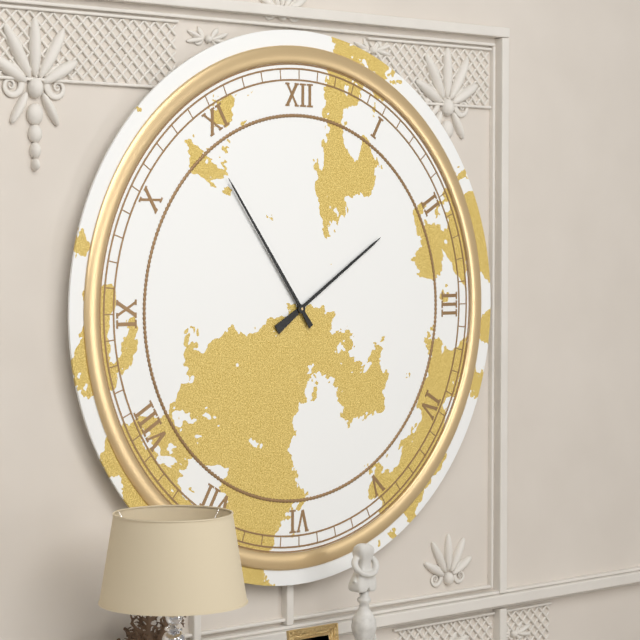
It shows 1h54
